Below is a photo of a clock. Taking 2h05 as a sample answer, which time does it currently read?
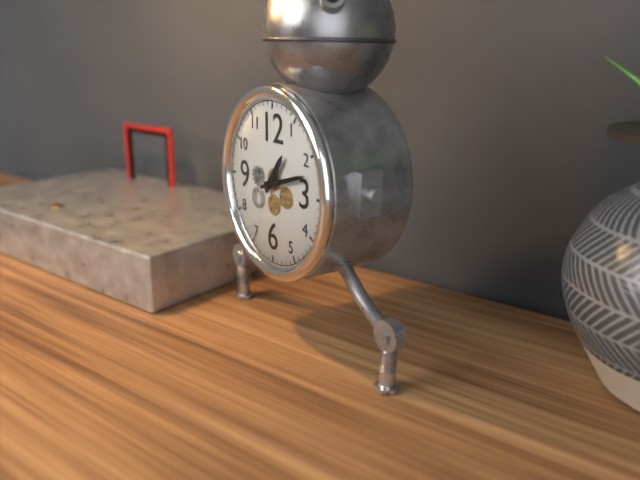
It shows 1h12
